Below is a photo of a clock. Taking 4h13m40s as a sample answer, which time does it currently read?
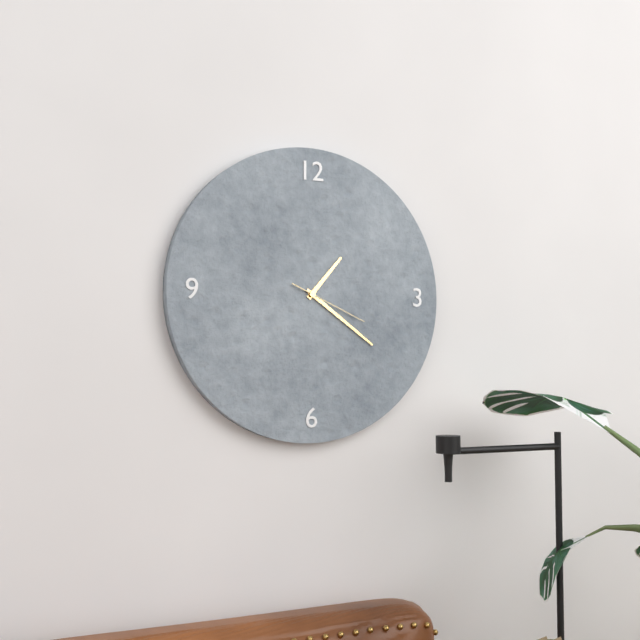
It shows 1h21m19s
